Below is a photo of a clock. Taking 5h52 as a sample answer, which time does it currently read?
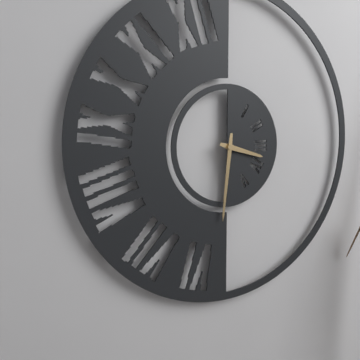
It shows 3h31
